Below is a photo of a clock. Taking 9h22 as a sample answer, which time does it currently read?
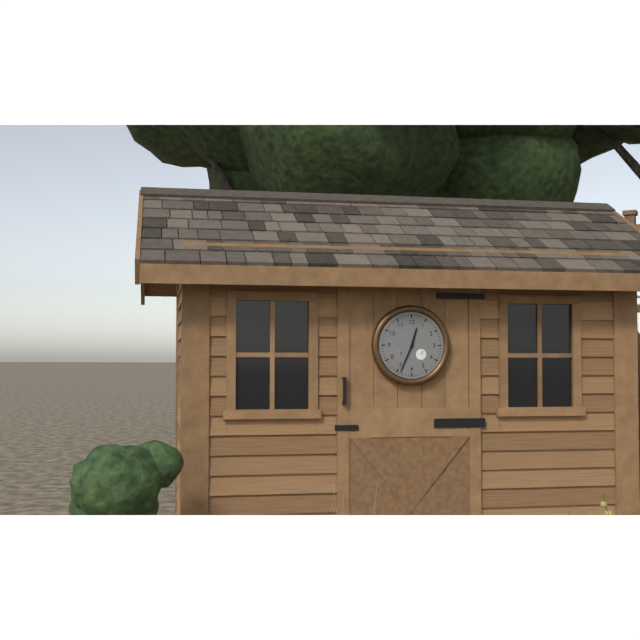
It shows 12h34
